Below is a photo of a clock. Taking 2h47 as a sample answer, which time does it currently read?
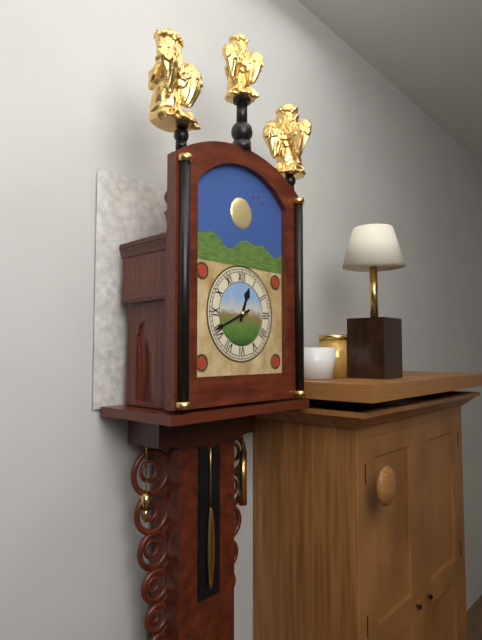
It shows 12h41
